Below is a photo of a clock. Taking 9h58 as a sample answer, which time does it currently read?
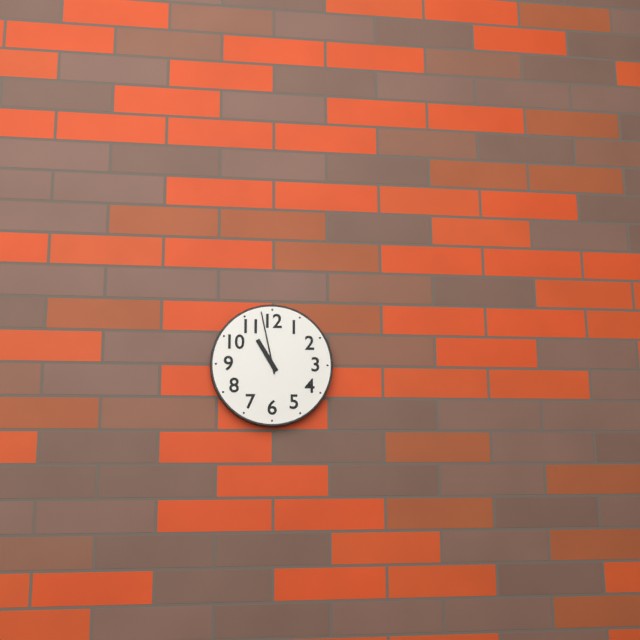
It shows 10h58
